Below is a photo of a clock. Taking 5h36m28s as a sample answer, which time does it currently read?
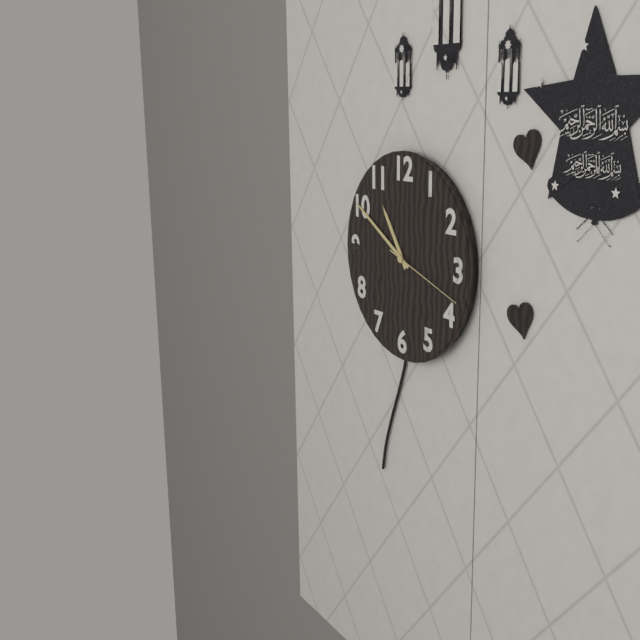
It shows 10h50m18s
